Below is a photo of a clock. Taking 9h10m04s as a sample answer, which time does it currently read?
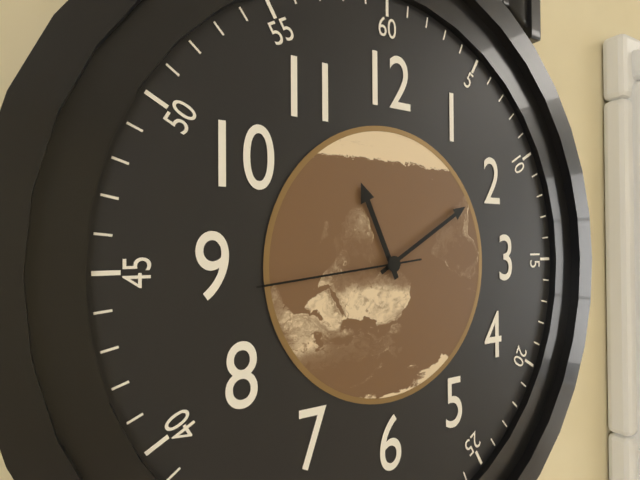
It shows 11h10m44s
